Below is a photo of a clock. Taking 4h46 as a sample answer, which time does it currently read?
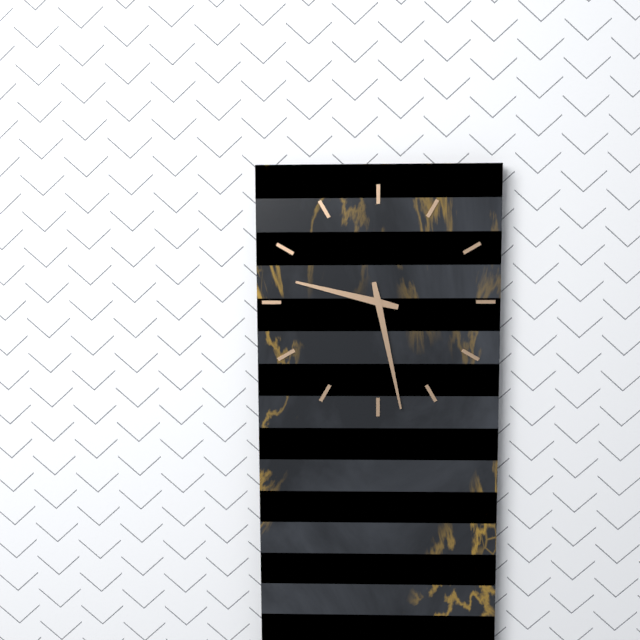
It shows 9h28
